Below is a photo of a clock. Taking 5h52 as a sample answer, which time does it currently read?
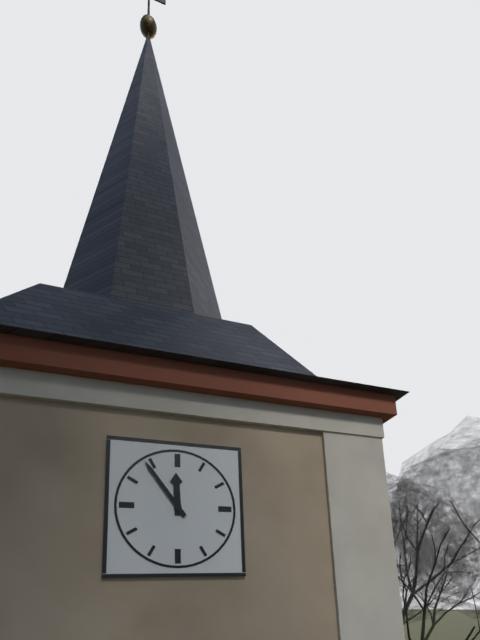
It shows 11h54
